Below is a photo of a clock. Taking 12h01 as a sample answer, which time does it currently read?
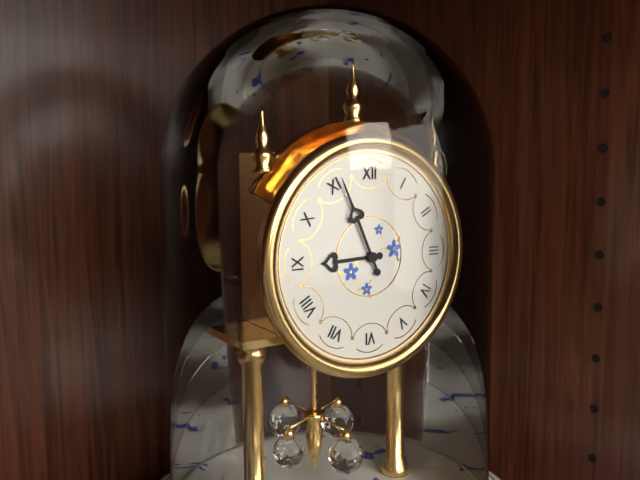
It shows 8h56
